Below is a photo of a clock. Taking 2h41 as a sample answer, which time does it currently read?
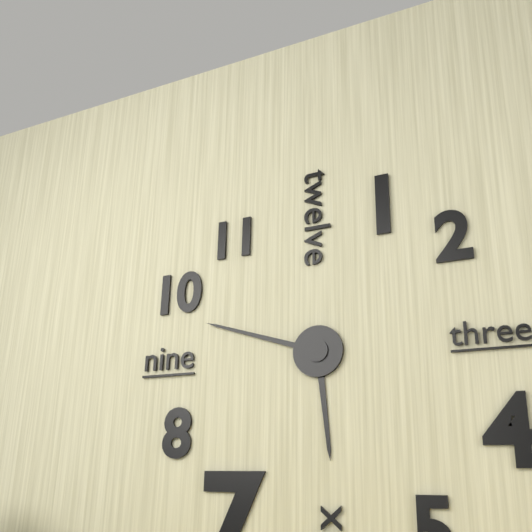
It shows 5h48
